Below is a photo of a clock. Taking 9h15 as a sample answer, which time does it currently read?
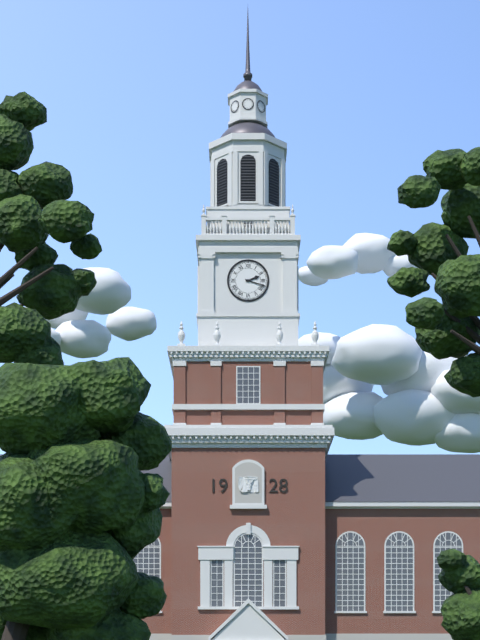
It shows 2h18
